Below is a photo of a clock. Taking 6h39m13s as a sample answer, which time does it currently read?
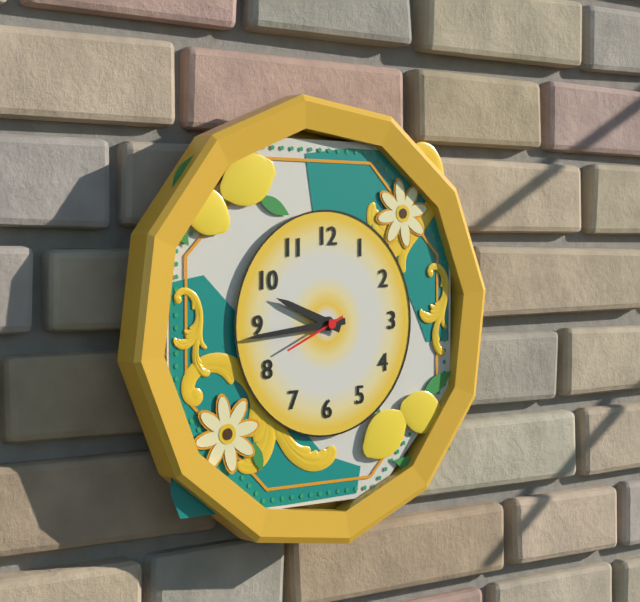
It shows 9h44m41s
